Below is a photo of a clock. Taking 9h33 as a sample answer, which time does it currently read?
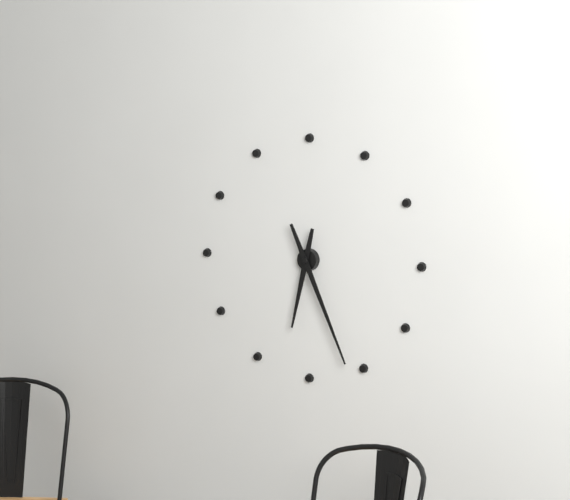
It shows 6h26
